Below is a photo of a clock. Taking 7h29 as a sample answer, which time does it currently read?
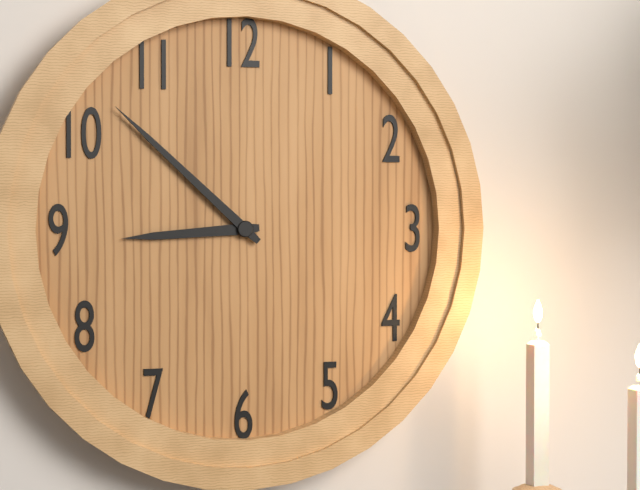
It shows 8h52
